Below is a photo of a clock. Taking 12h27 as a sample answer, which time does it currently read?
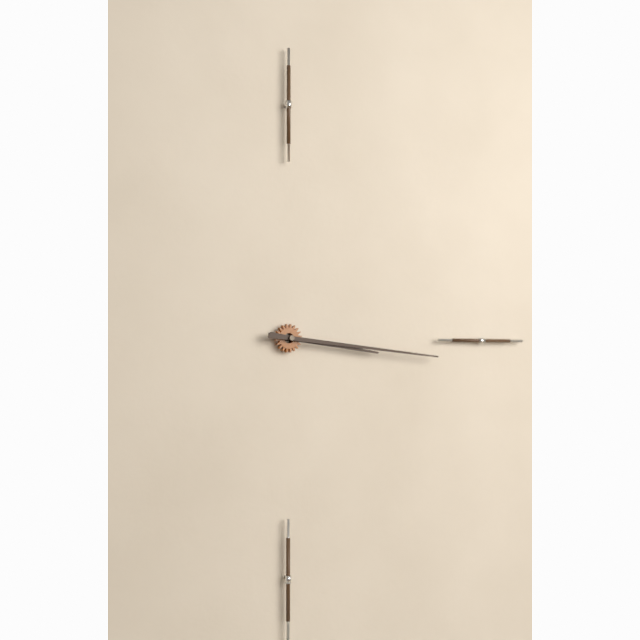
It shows 3h16
